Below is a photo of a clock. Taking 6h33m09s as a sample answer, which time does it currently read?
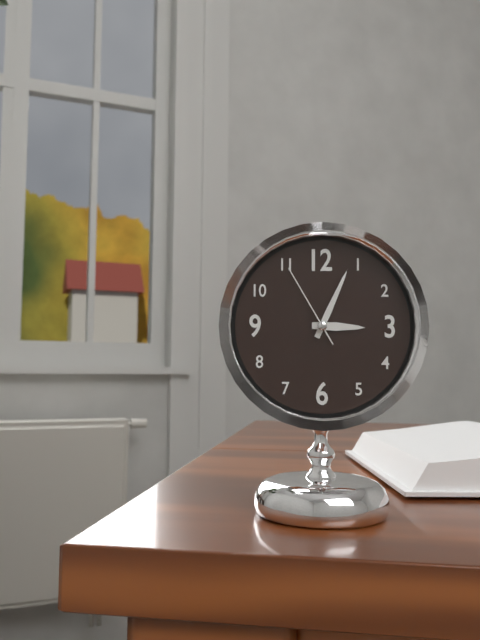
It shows 3h04m55s
